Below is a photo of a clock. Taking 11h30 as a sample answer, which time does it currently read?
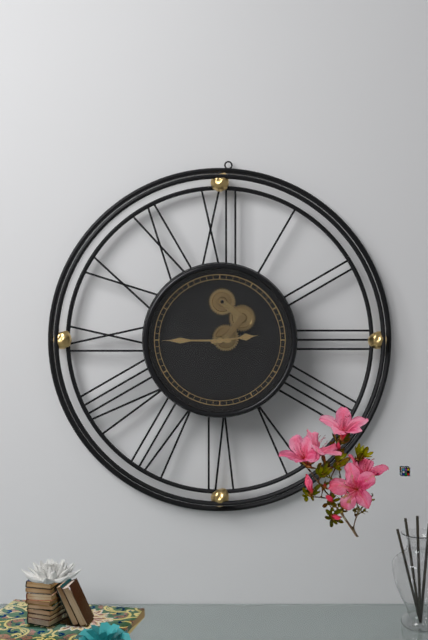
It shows 2h45
